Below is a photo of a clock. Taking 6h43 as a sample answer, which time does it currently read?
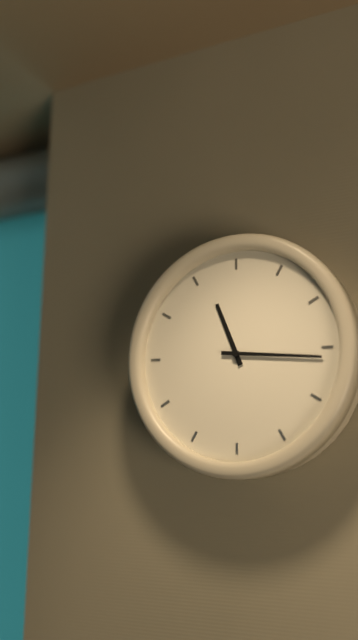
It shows 11h16
